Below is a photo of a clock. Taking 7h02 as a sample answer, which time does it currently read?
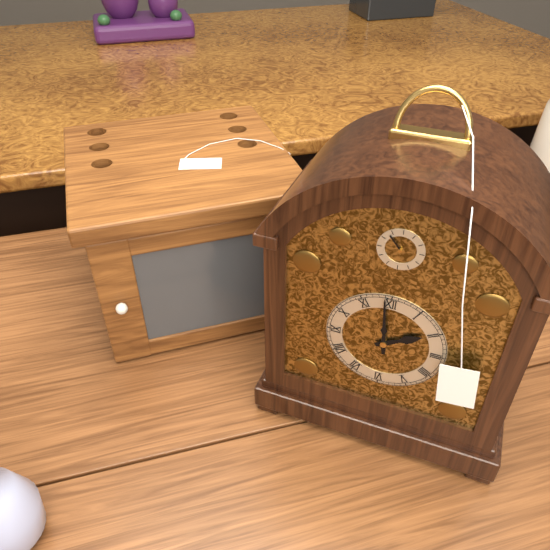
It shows 1h59
